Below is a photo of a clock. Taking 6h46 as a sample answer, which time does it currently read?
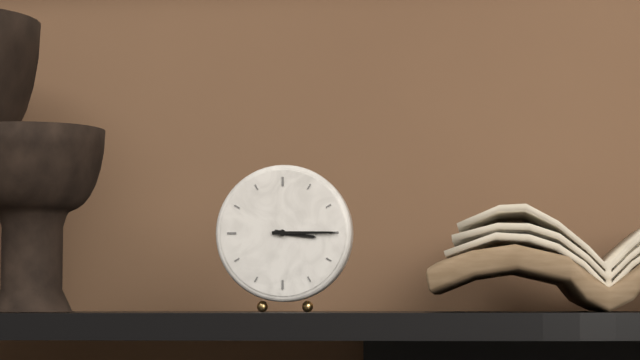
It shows 3h15
